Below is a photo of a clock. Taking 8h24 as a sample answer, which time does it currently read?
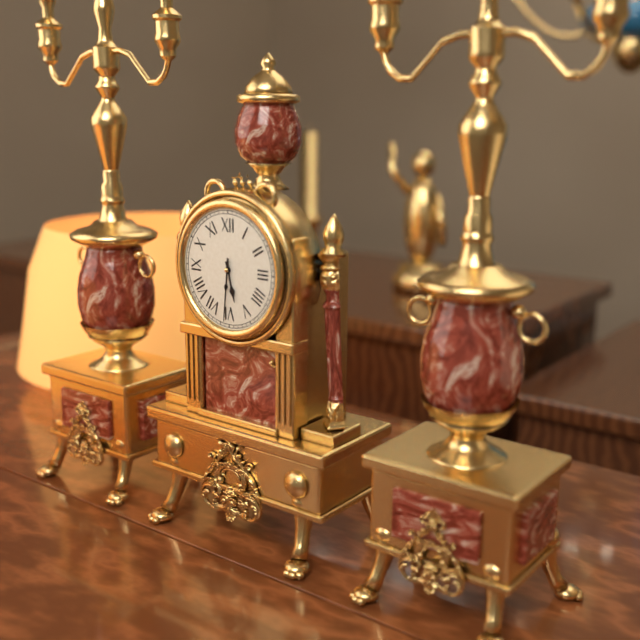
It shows 5h31
